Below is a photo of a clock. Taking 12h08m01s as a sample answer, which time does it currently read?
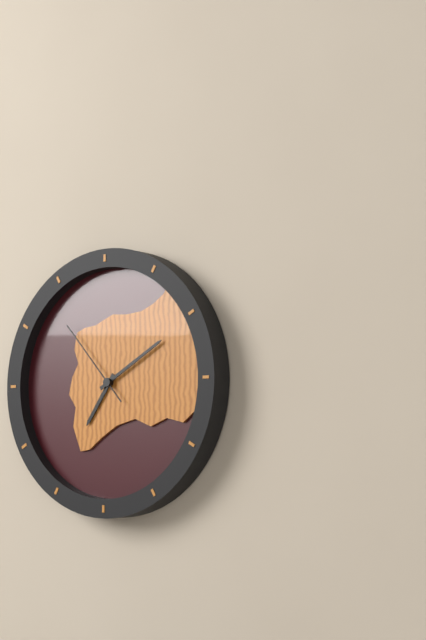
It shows 7h10m53s
